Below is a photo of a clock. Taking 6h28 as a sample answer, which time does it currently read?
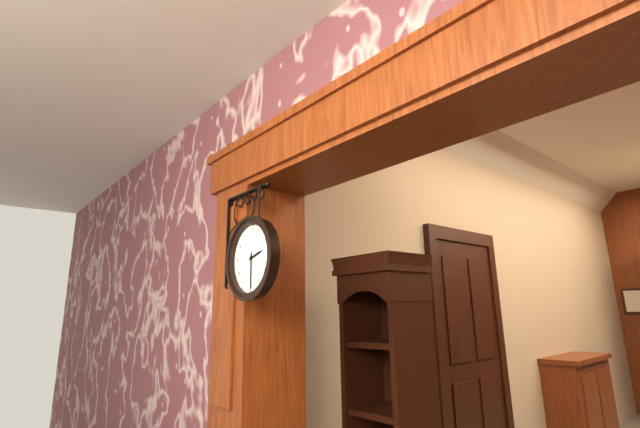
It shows 2h30
